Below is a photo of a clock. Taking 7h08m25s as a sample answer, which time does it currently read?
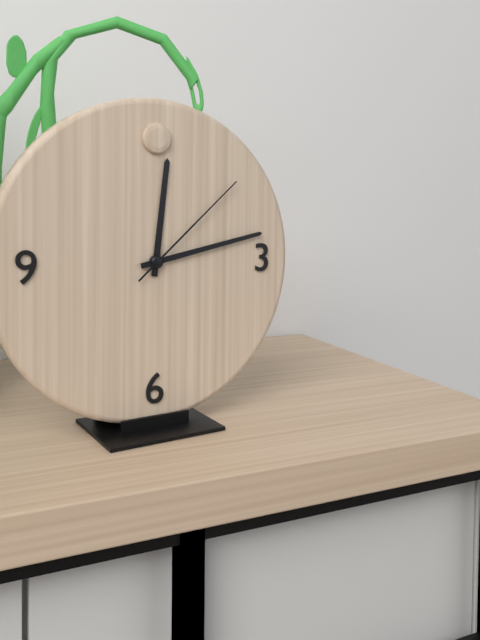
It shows 12h13m08s
